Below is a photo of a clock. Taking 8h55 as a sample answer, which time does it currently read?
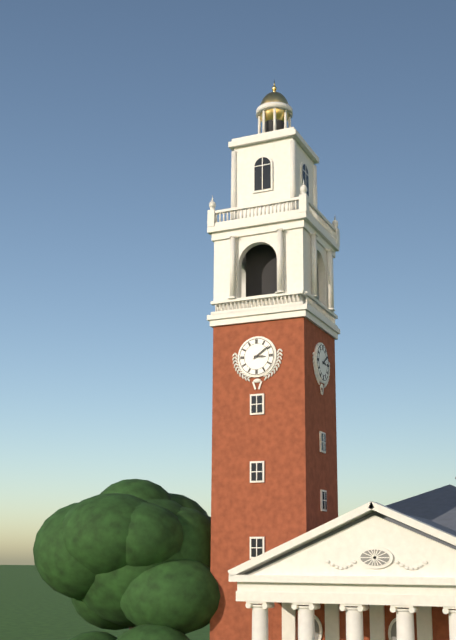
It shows 3h09
